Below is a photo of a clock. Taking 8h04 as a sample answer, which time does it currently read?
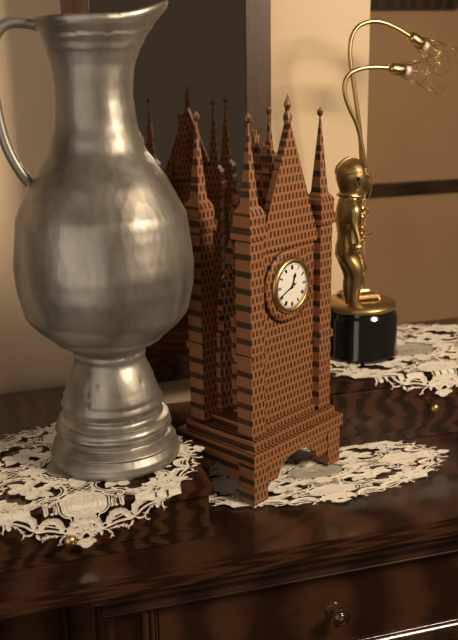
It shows 12h41
